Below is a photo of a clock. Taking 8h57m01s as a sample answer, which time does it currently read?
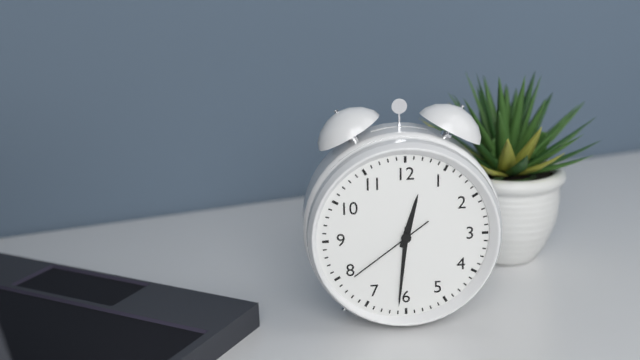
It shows 12h31m39s
